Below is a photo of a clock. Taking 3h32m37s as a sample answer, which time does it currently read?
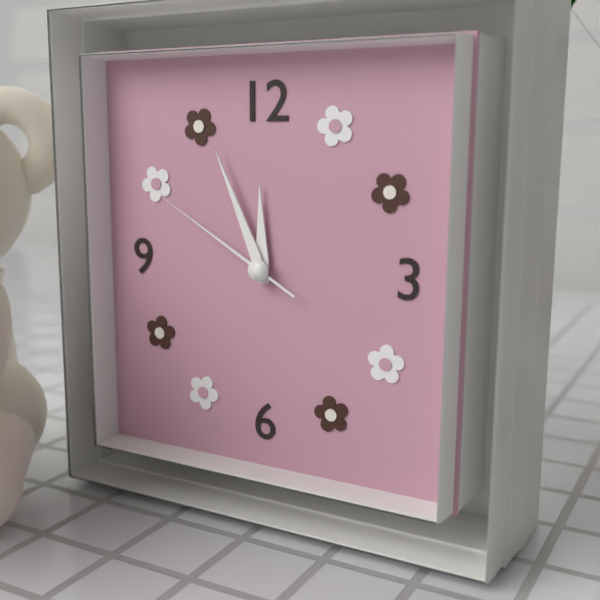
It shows 11h56m50s
